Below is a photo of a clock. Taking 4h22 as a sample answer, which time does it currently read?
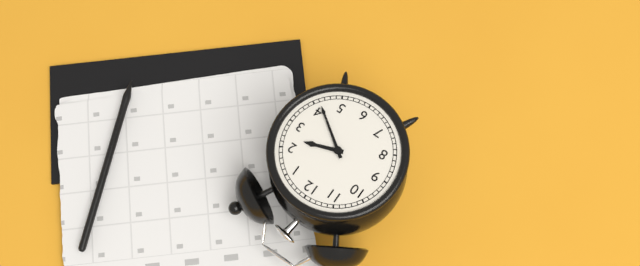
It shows 2h21
